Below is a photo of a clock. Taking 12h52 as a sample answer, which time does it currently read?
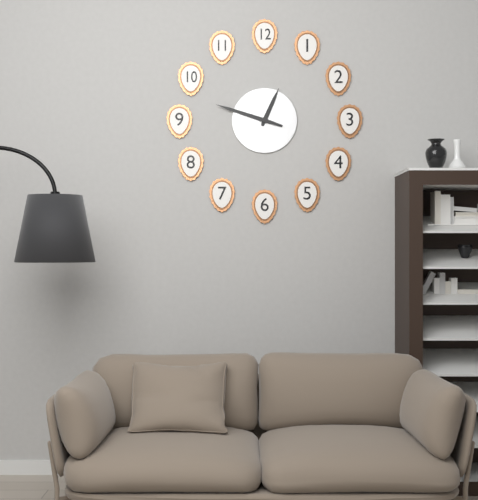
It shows 12h48
